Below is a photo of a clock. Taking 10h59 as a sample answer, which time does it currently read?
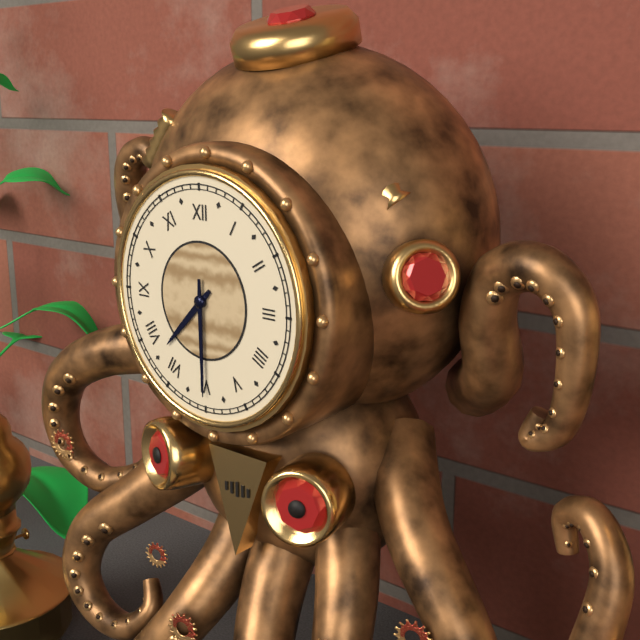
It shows 7h30
